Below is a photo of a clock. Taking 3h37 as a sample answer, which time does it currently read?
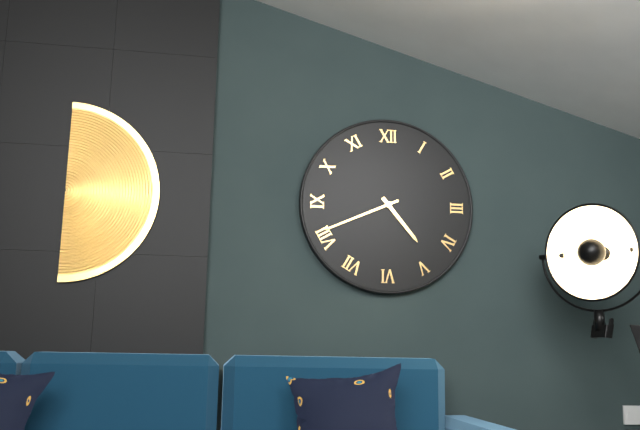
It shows 4h41
